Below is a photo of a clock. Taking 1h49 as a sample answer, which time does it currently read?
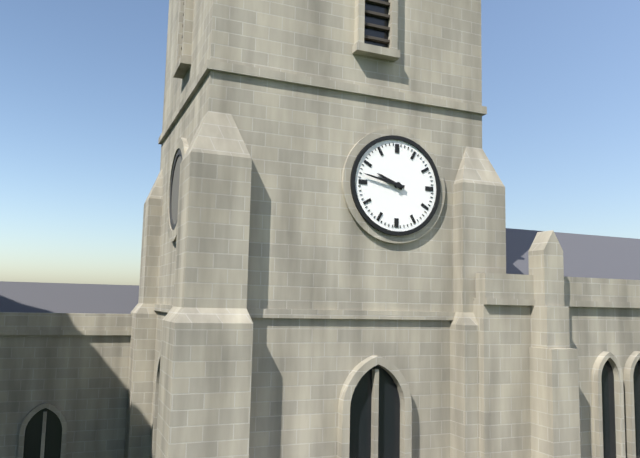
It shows 9h47
